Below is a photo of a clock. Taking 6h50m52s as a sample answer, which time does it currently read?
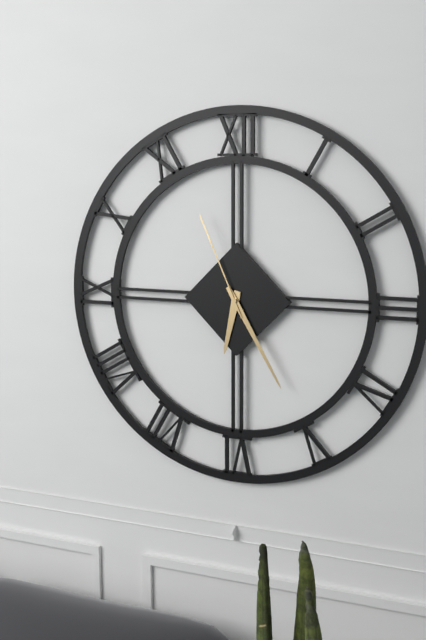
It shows 6h25m56s
